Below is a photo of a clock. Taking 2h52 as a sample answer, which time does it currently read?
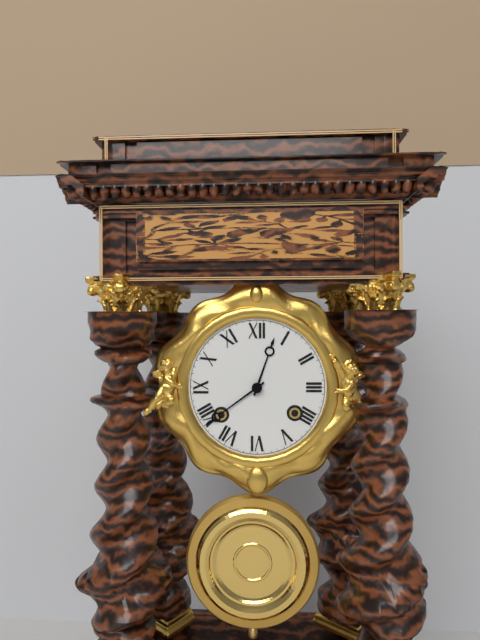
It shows 12h39
